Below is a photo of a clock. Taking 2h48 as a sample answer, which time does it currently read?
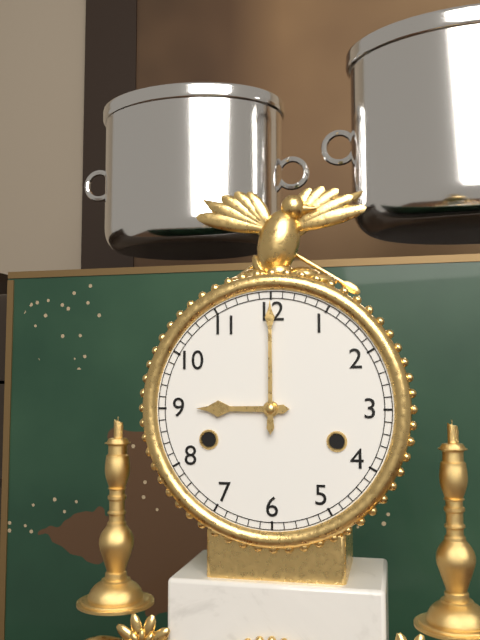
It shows 9h00
